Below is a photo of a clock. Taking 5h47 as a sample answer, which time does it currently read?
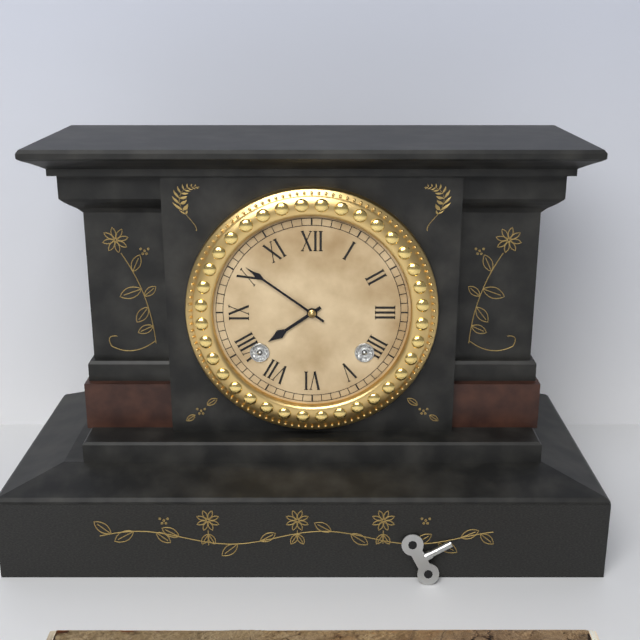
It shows 7h51
